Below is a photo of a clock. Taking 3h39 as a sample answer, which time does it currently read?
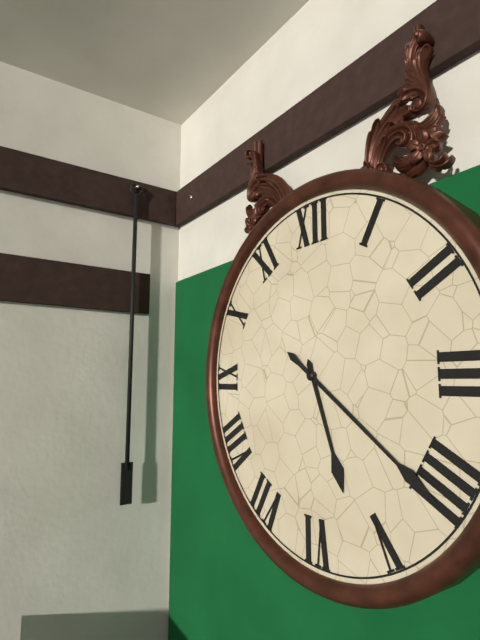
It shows 5h21
